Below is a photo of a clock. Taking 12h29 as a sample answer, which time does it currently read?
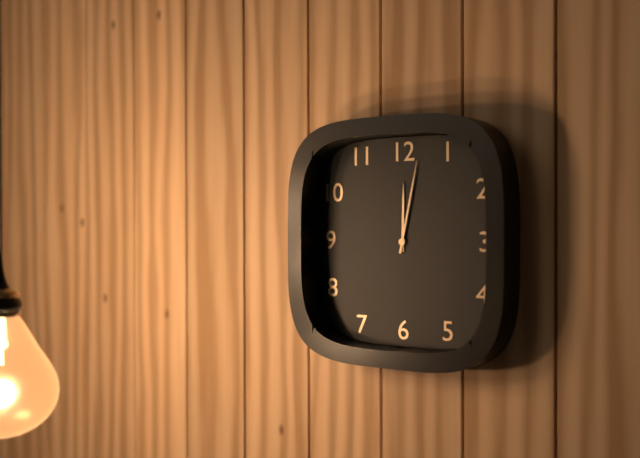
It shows 12h02
